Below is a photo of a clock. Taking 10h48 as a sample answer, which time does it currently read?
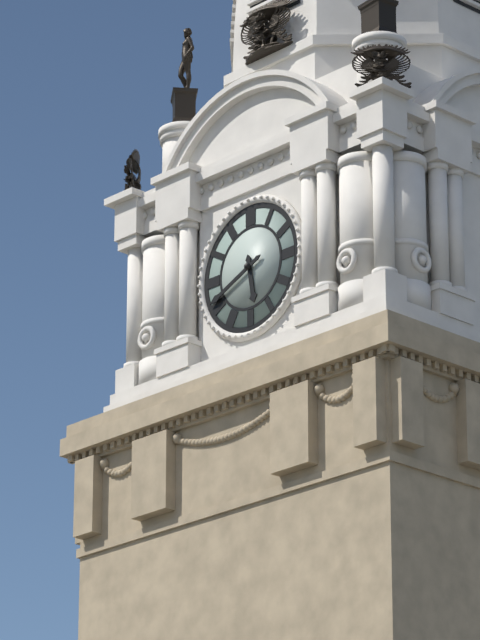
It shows 5h41
